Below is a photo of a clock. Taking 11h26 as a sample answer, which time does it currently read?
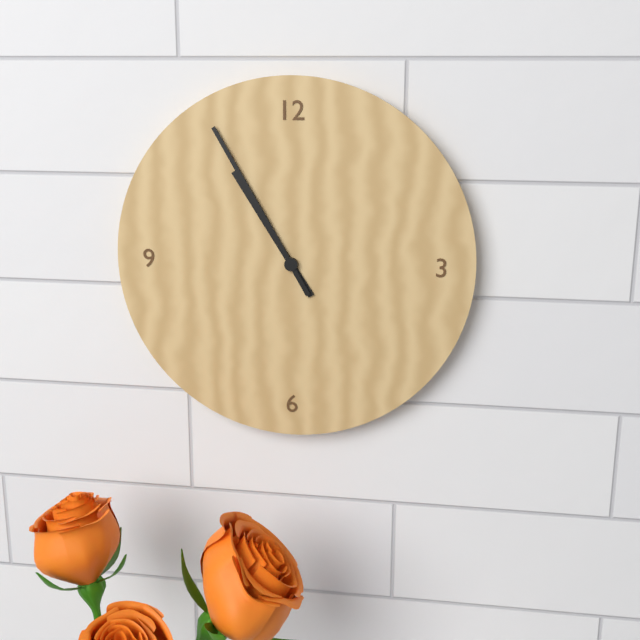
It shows 10h55
